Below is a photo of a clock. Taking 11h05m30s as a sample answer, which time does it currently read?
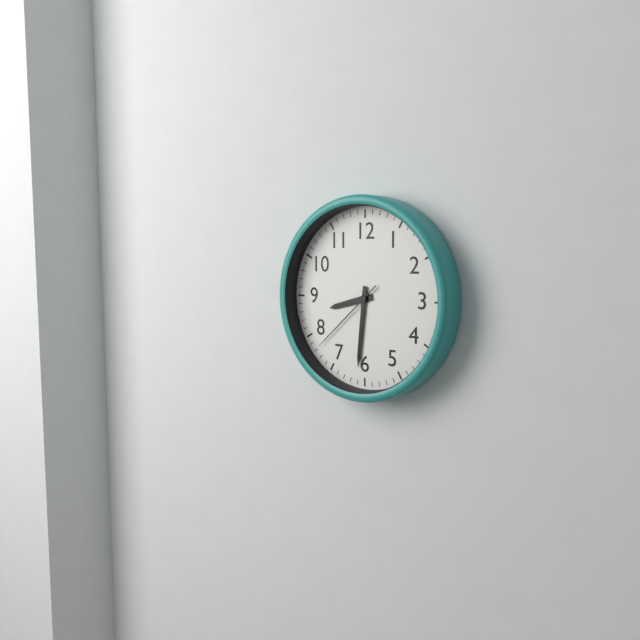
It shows 8h31m38s
